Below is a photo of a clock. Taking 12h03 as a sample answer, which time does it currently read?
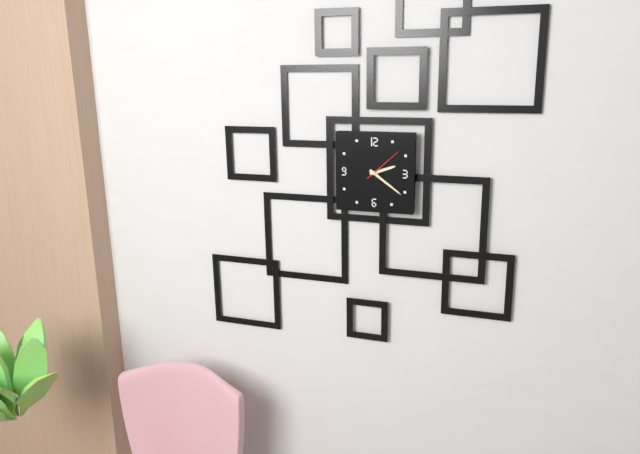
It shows 2h21
